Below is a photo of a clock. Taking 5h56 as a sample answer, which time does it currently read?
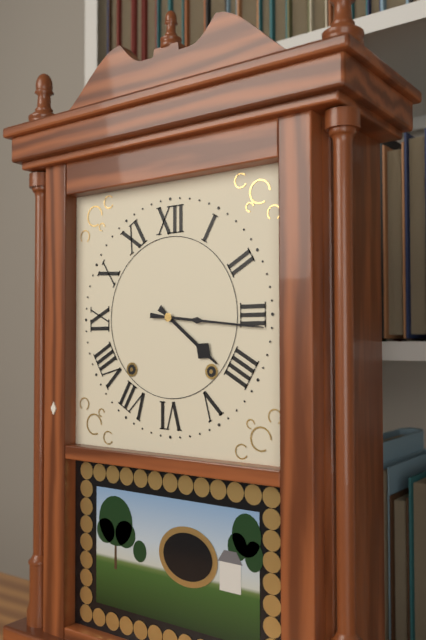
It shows 4h16
